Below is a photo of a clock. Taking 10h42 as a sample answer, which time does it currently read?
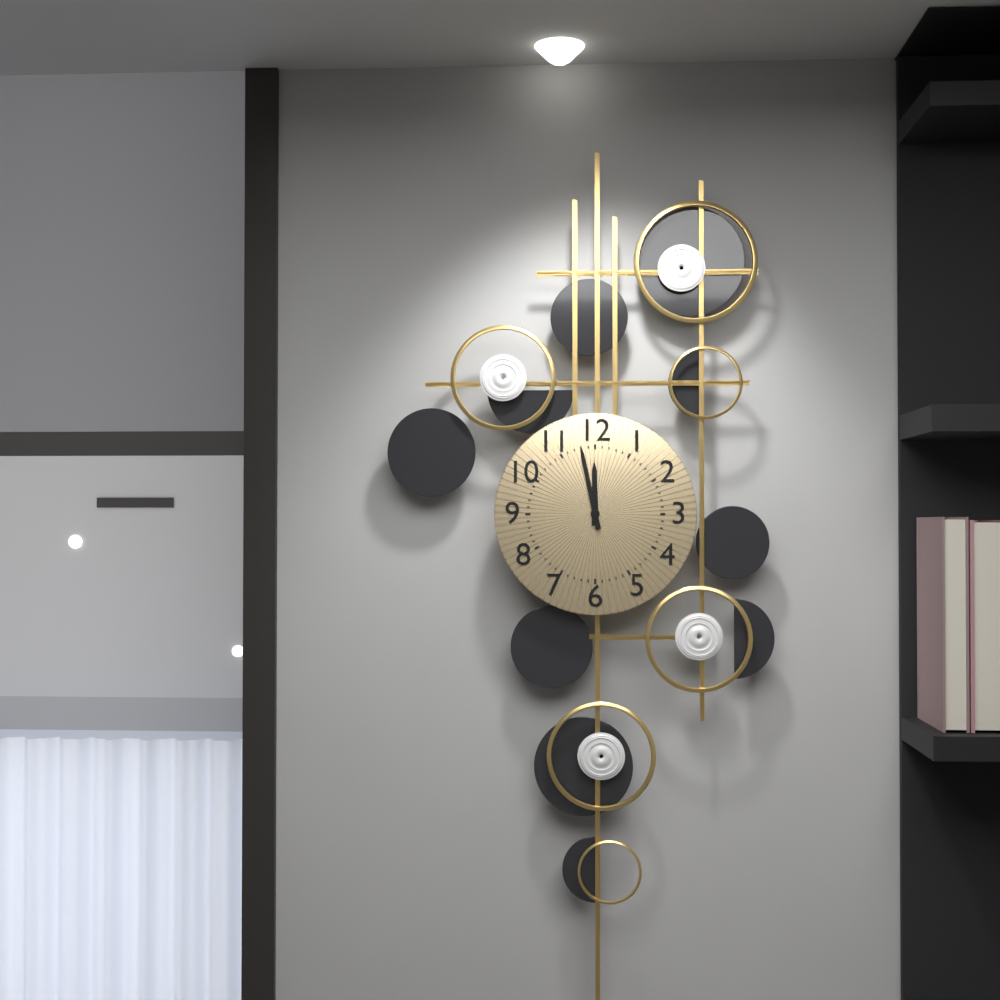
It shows 11h58
